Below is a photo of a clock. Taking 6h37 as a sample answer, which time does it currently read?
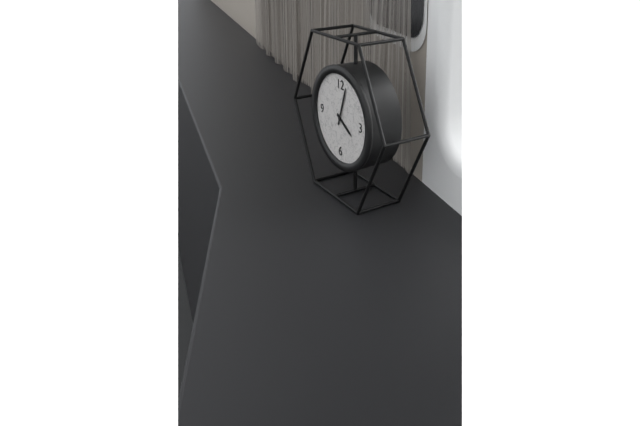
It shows 4h03
